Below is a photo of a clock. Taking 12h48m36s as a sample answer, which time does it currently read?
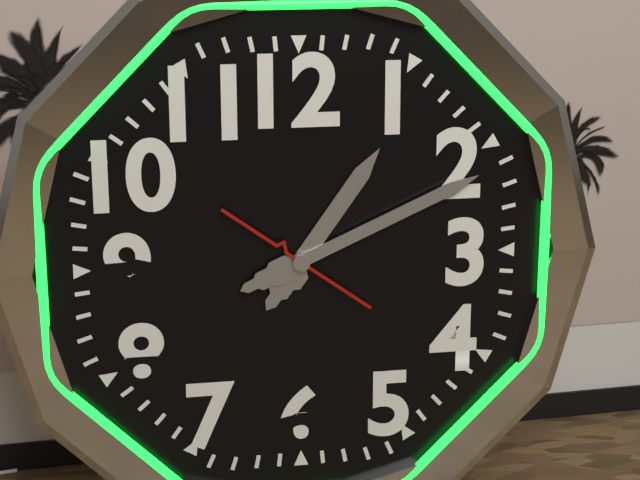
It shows 1h11m51s
